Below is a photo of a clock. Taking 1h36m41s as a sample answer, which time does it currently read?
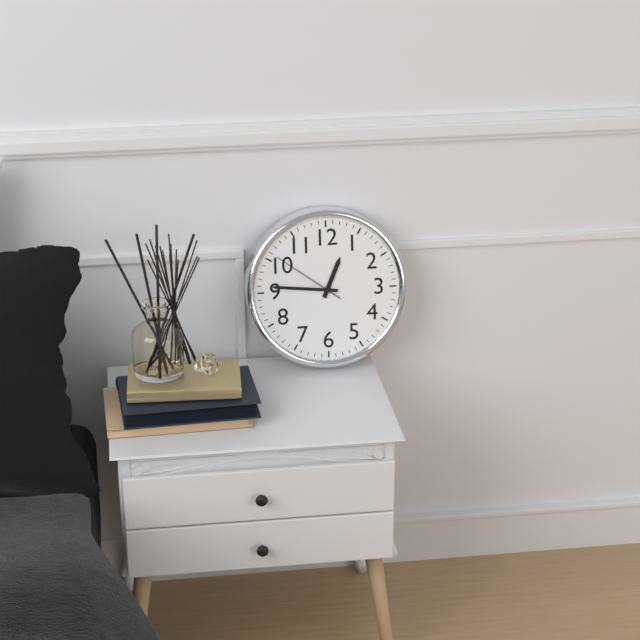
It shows 12h46m51s
